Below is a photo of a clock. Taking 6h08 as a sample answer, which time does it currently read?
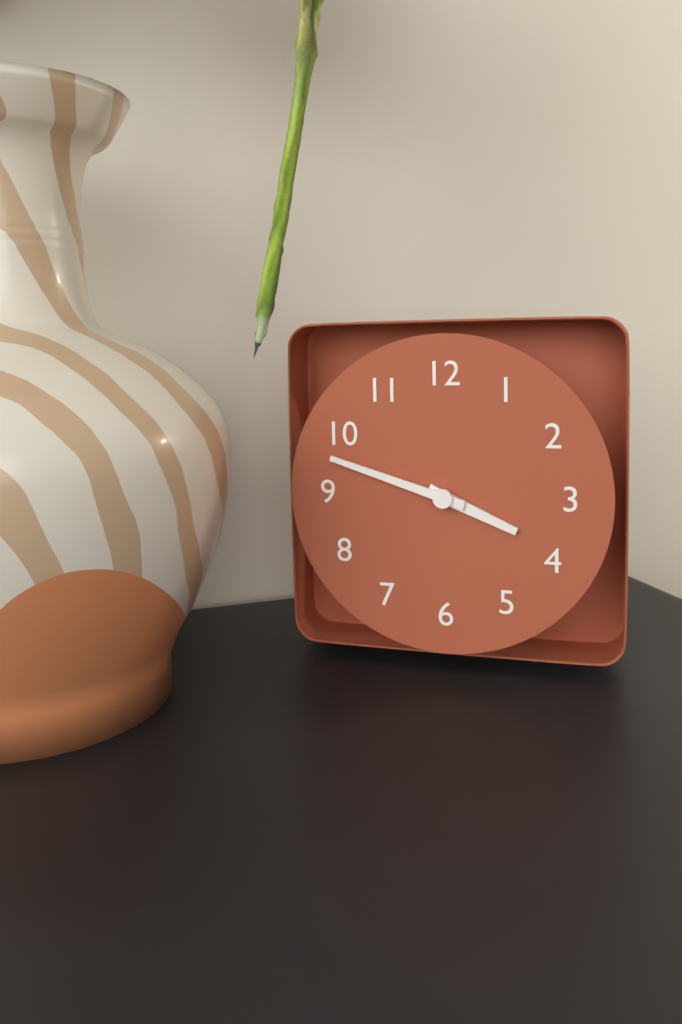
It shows 3h48
